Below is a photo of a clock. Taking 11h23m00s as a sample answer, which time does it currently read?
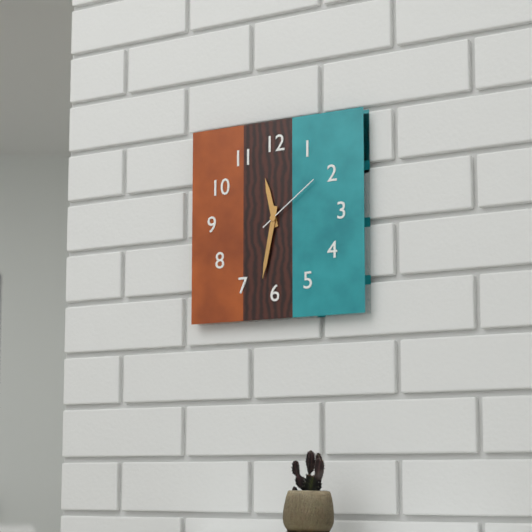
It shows 11h32m09s
